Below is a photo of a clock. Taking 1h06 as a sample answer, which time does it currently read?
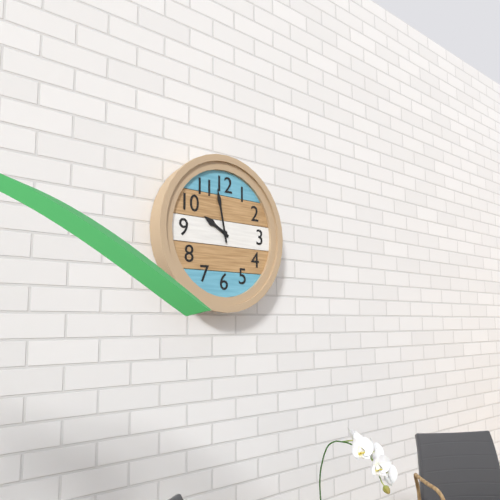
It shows 9h58
